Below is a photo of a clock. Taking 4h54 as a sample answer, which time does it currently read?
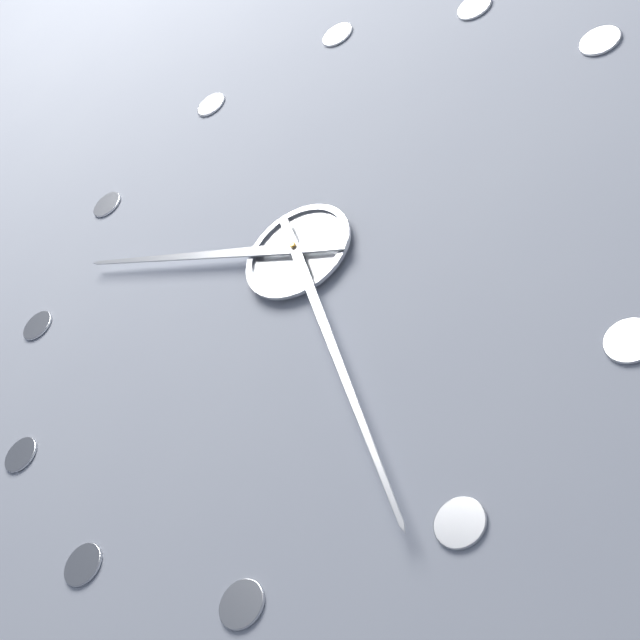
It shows 9h26
